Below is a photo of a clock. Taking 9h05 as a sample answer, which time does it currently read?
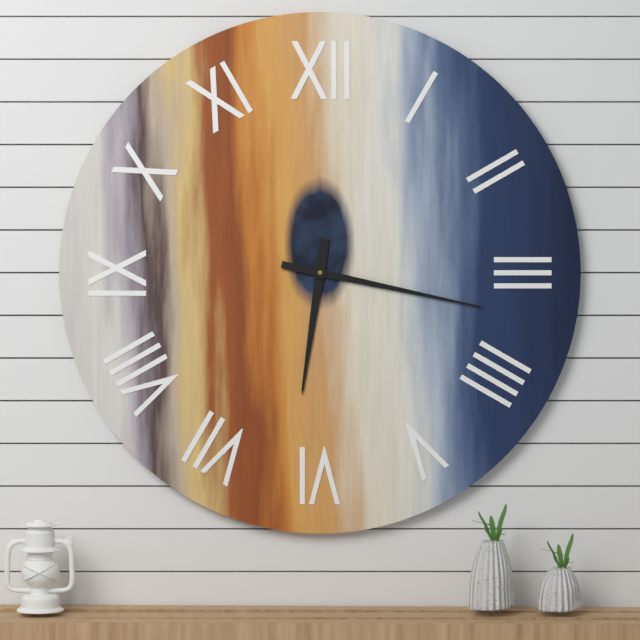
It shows 6h17
